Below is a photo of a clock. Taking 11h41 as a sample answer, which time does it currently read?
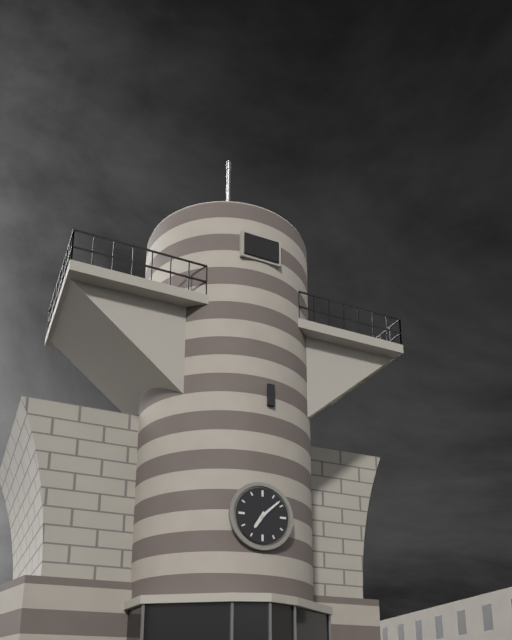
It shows 7h08
